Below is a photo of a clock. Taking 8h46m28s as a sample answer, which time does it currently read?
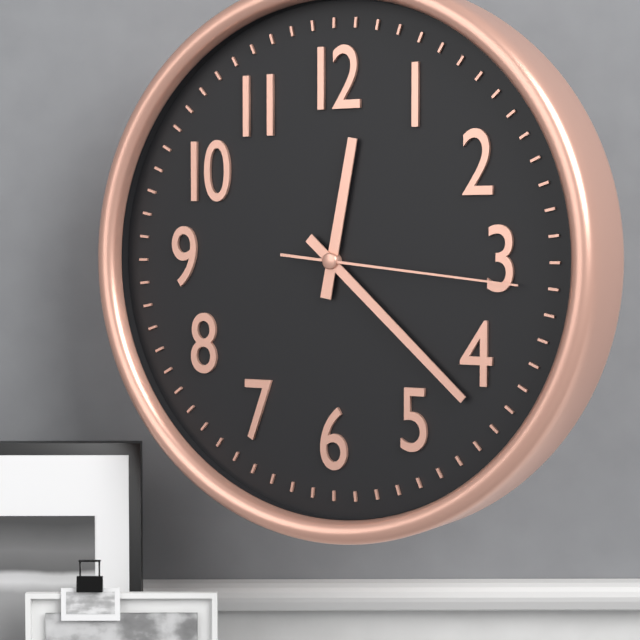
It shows 12h22m16s
